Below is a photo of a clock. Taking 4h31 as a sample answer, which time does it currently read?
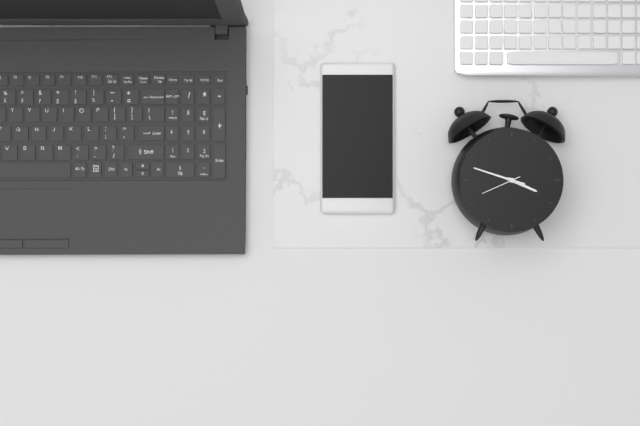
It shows 3h48
